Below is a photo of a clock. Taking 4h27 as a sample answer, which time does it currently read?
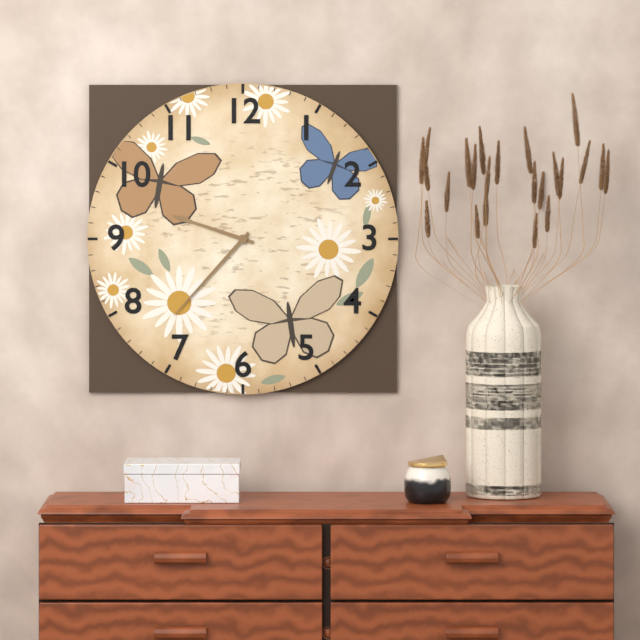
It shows 9h37
